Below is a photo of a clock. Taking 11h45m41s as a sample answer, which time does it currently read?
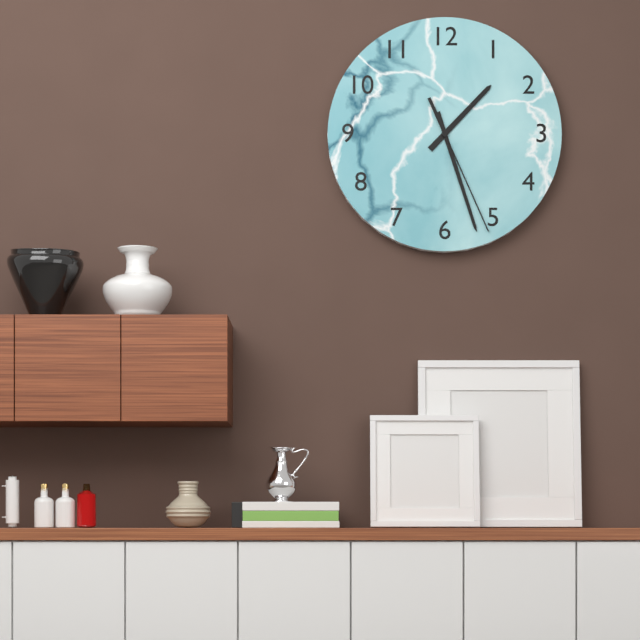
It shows 1h27m26s
